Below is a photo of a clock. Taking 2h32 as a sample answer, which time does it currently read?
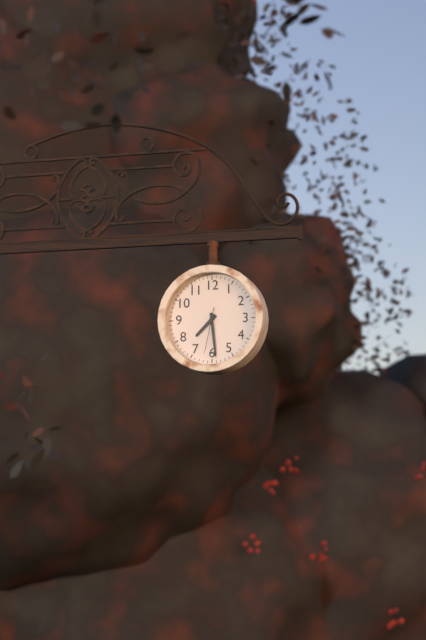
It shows 7h29
